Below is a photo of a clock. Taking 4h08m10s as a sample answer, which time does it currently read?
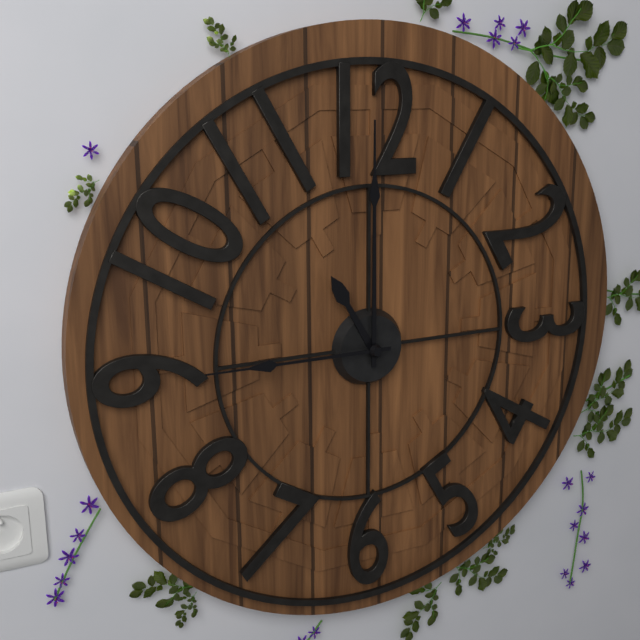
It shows 11h00m45s
